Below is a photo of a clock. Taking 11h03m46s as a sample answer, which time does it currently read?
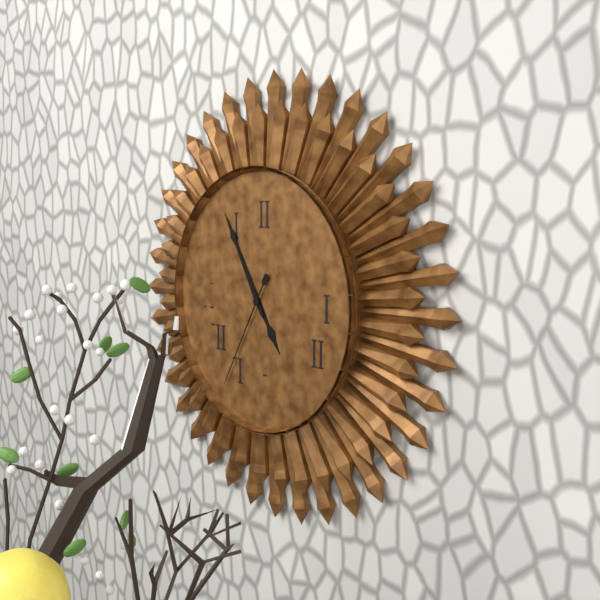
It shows 4h55m35s
